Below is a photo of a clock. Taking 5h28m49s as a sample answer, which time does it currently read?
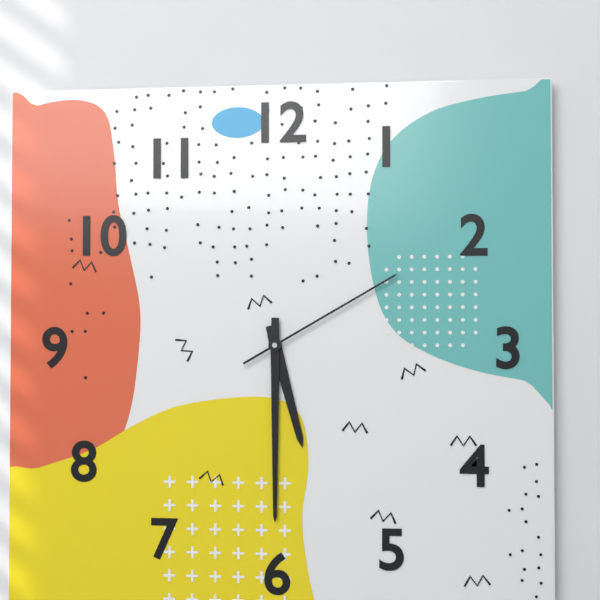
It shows 5h30m10s
